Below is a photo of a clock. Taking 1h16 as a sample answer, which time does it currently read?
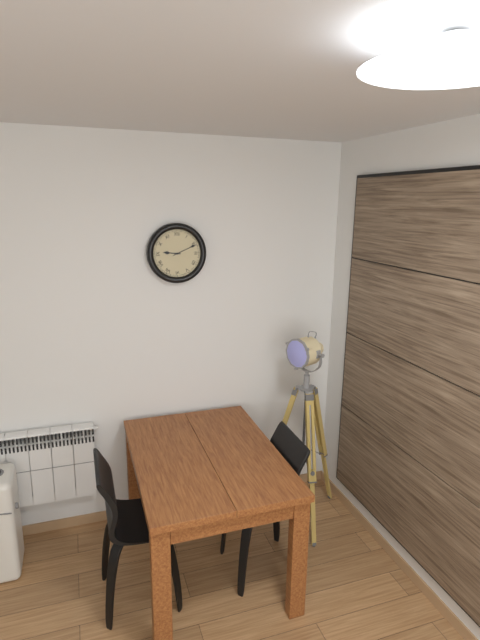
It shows 9h11
